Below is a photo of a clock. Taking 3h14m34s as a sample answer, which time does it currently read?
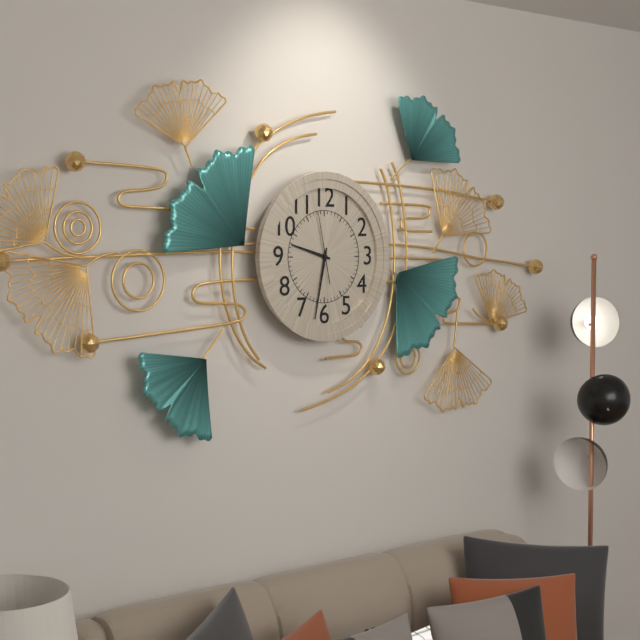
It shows 9h32m58s
